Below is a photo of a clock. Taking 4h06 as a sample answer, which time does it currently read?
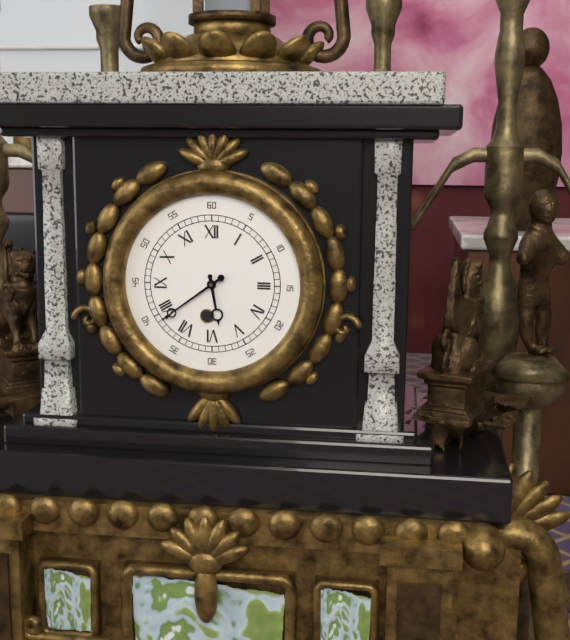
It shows 5h39
